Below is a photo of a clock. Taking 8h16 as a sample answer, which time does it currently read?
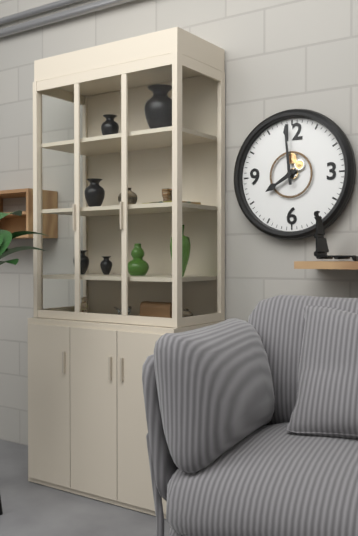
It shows 7h59
